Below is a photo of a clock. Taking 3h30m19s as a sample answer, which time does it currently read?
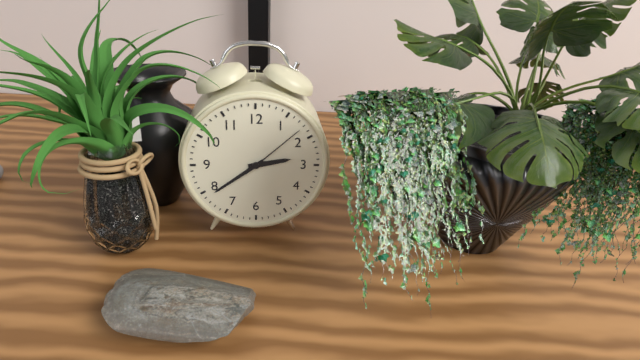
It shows 2h39m08s
